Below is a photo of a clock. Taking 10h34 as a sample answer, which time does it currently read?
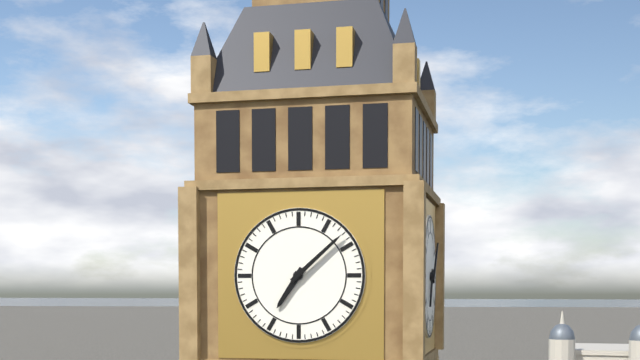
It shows 7h08
